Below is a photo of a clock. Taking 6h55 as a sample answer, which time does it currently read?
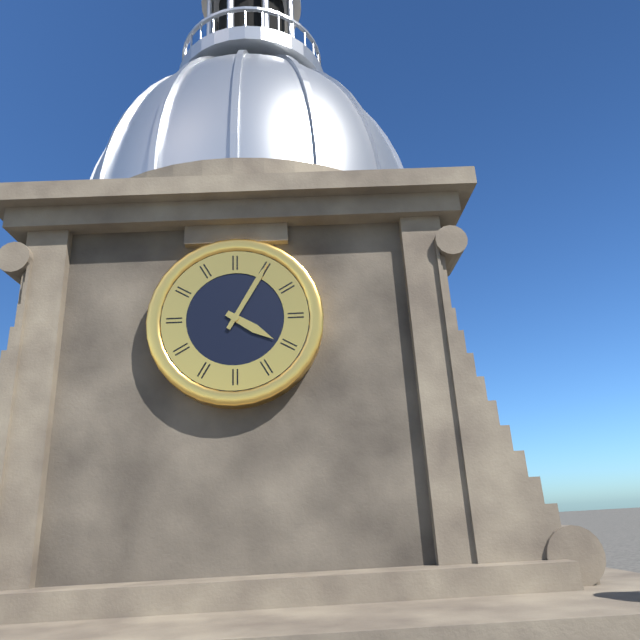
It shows 4h05
